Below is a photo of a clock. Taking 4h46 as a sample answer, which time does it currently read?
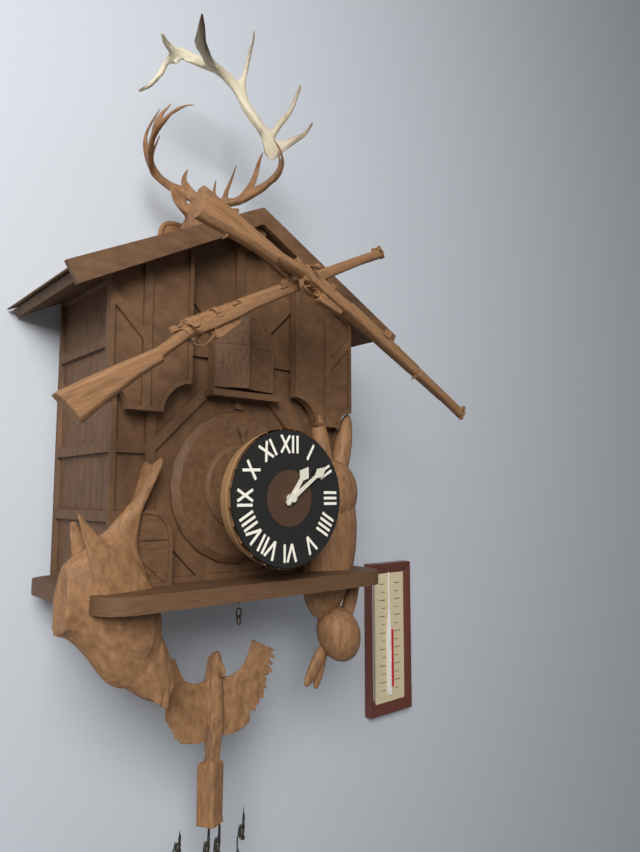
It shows 1h09
